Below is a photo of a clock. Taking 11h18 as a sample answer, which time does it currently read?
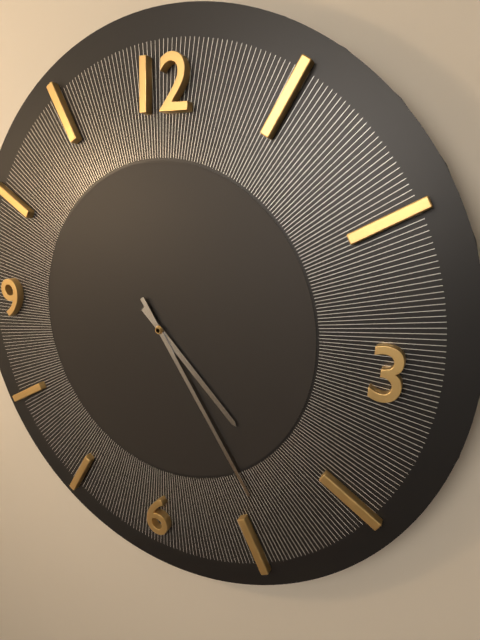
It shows 4h24
